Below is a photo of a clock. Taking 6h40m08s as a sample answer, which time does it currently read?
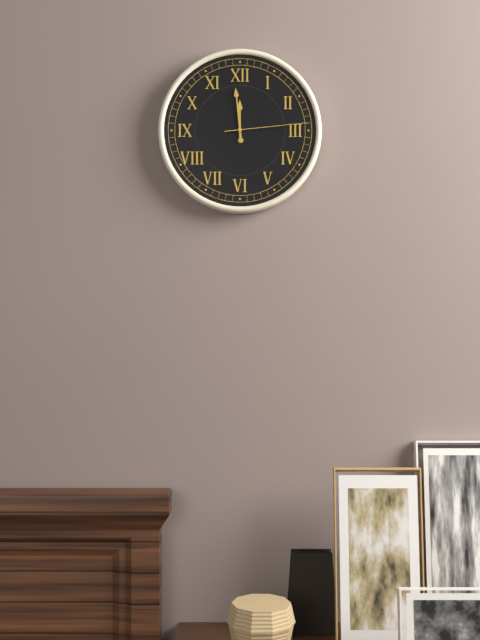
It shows 11h59m14s
